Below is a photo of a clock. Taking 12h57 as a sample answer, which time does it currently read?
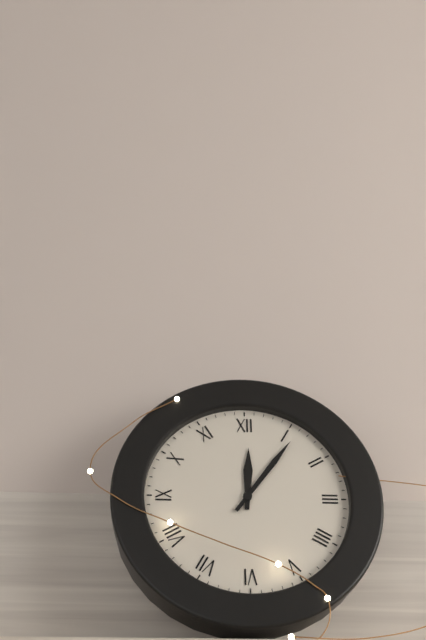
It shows 12h06
